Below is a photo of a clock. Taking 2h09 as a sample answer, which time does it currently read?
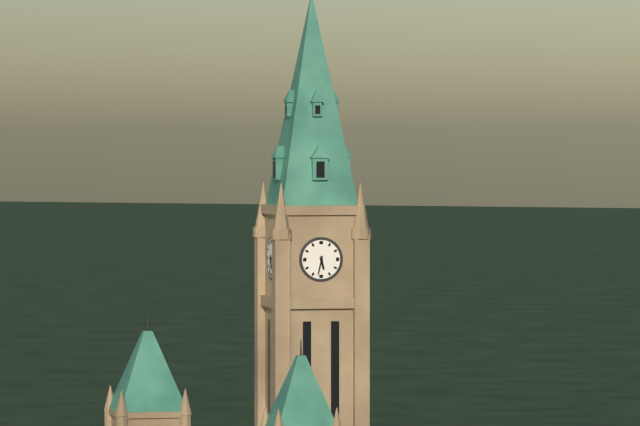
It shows 5h32
